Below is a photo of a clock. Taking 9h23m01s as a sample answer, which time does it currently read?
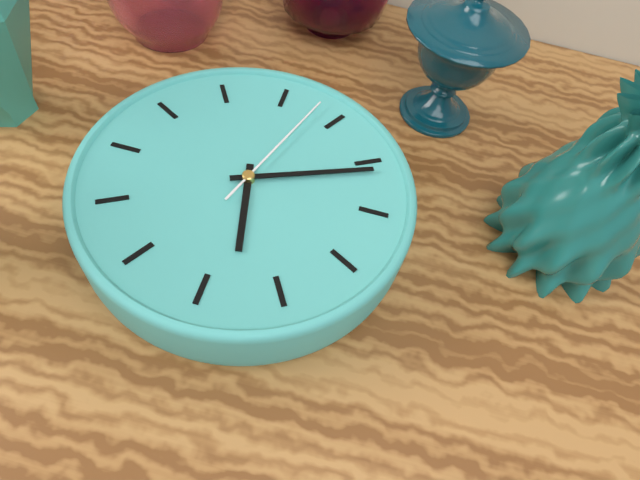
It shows 10h36m28s
